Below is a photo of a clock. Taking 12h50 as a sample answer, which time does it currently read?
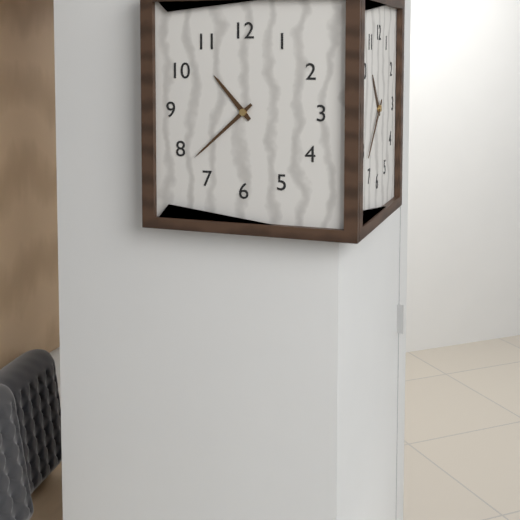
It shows 10h38
